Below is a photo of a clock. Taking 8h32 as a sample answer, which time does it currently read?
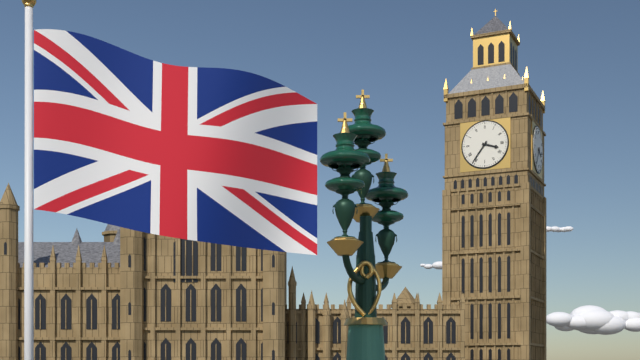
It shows 3h36
